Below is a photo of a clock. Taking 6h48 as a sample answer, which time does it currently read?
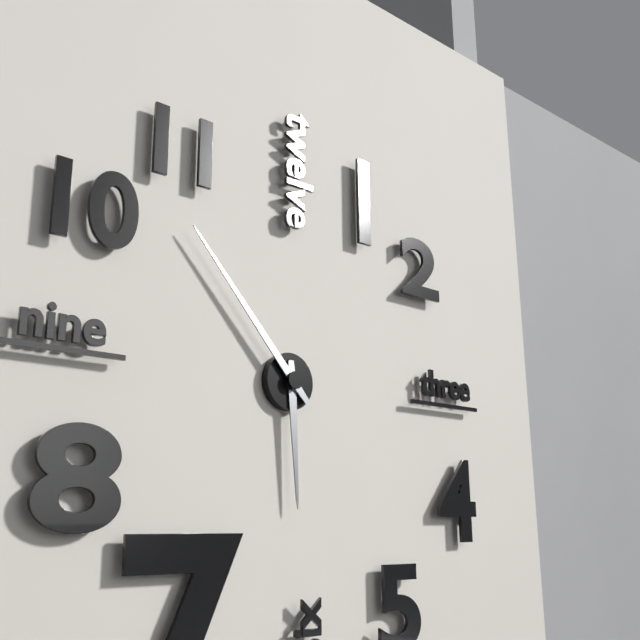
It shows 5h53
